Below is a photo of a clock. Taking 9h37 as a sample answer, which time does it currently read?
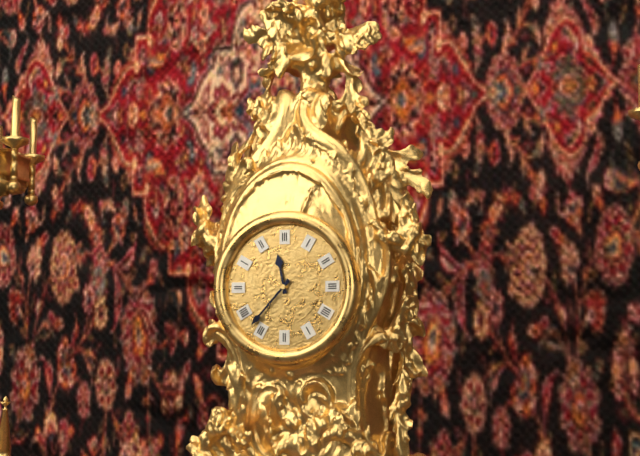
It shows 11h37
